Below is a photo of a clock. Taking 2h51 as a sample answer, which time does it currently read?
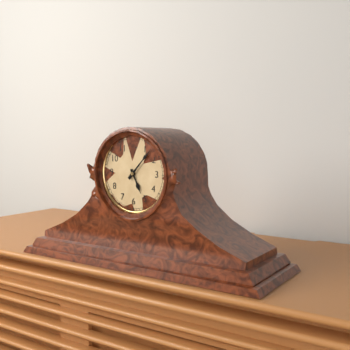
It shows 5h07
